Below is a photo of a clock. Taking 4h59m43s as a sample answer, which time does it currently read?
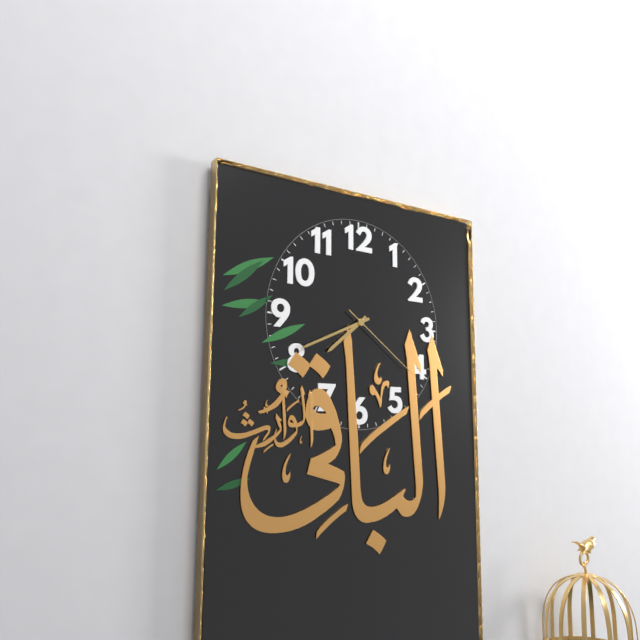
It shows 7h41m21s
